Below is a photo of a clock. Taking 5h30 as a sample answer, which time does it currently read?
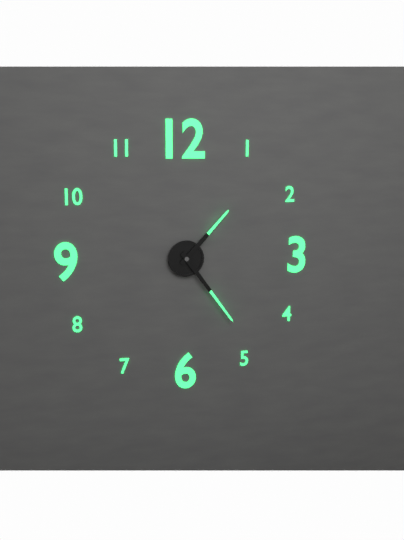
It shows 1h24
